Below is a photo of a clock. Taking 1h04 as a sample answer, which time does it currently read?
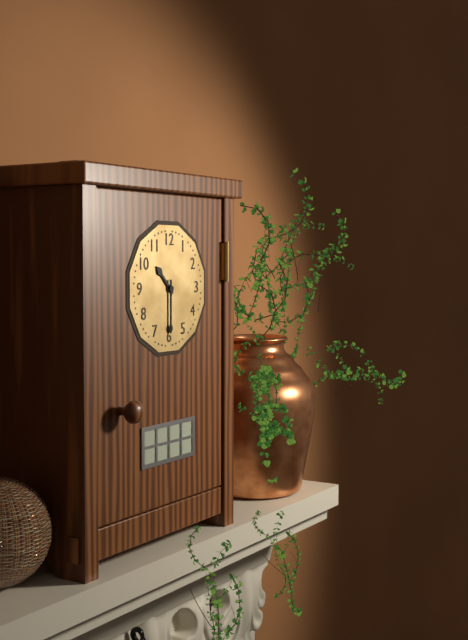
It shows 10h30
